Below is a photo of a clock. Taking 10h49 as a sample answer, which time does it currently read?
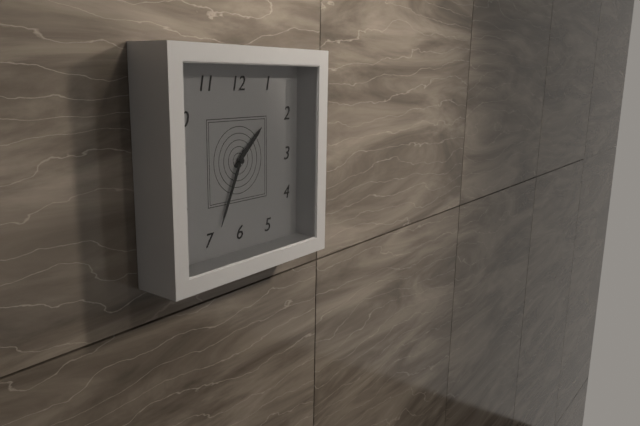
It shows 1h34
